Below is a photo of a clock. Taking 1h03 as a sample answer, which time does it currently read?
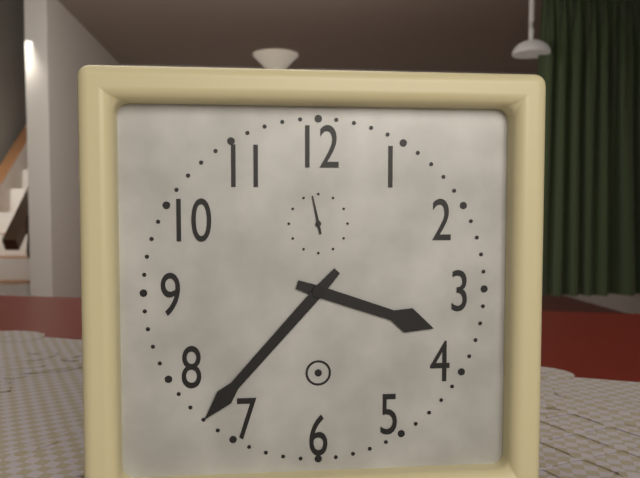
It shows 3h37
